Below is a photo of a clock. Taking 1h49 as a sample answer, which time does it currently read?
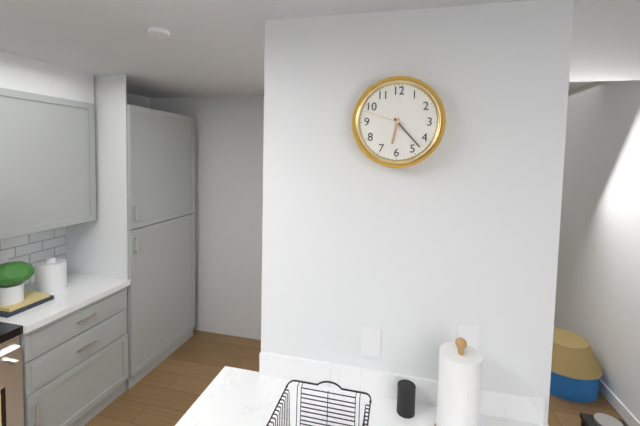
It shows 6h23
